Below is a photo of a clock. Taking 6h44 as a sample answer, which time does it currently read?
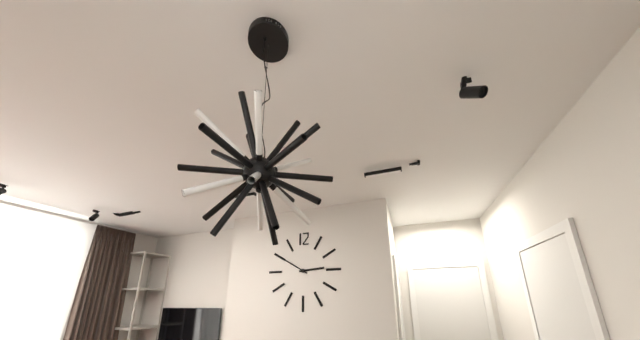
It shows 2h50
